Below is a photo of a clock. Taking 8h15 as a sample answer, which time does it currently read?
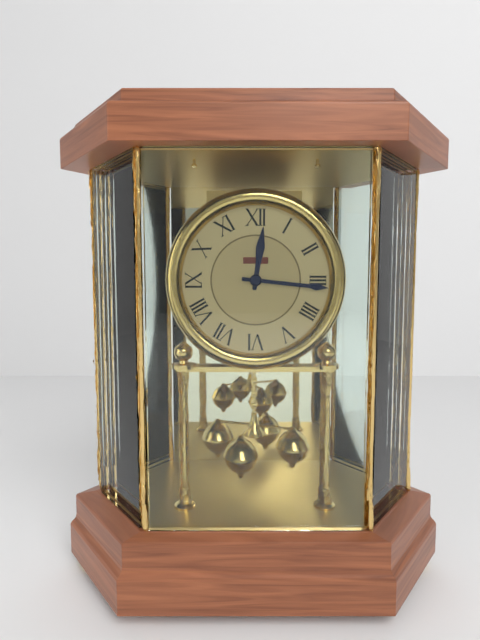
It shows 12h16
